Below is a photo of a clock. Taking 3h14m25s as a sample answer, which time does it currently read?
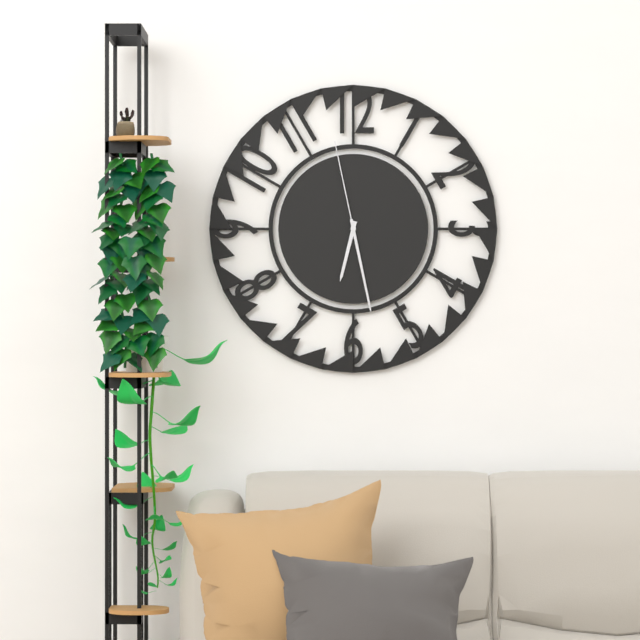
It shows 6h28m58s
